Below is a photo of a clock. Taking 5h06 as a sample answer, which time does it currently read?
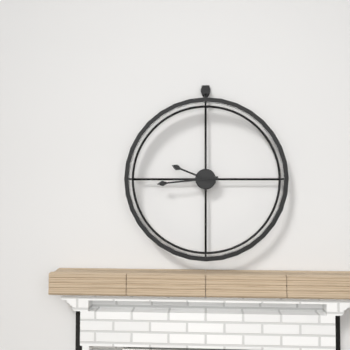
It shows 9h44
